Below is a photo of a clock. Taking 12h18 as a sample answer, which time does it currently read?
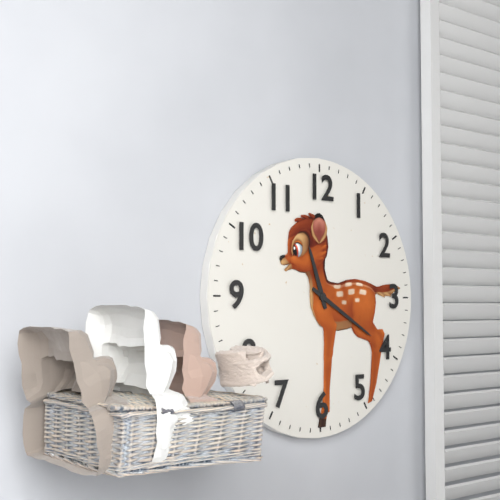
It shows 11h20
